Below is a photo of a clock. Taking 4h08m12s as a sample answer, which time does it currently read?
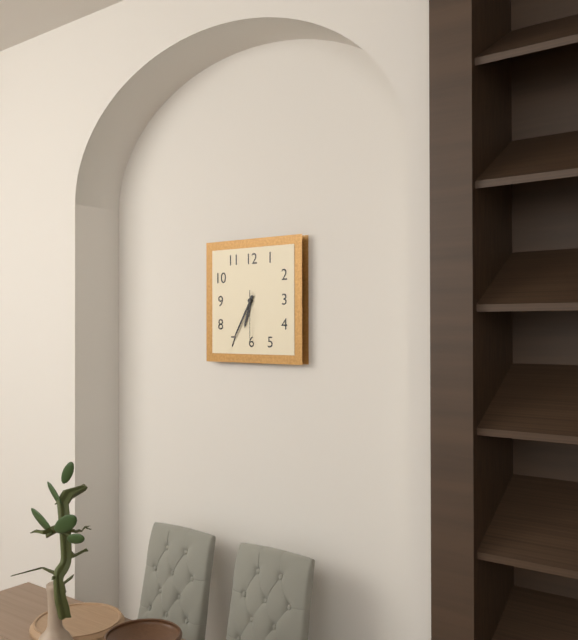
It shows 6h35m30s
